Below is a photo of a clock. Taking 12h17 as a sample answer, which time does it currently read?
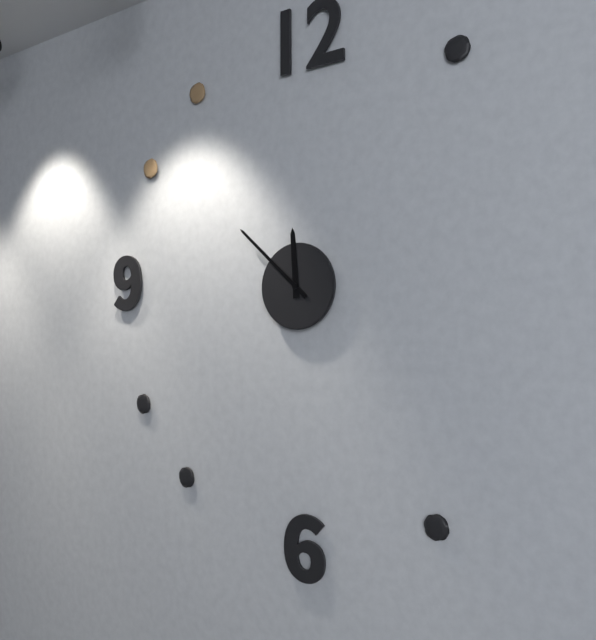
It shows 11h52
